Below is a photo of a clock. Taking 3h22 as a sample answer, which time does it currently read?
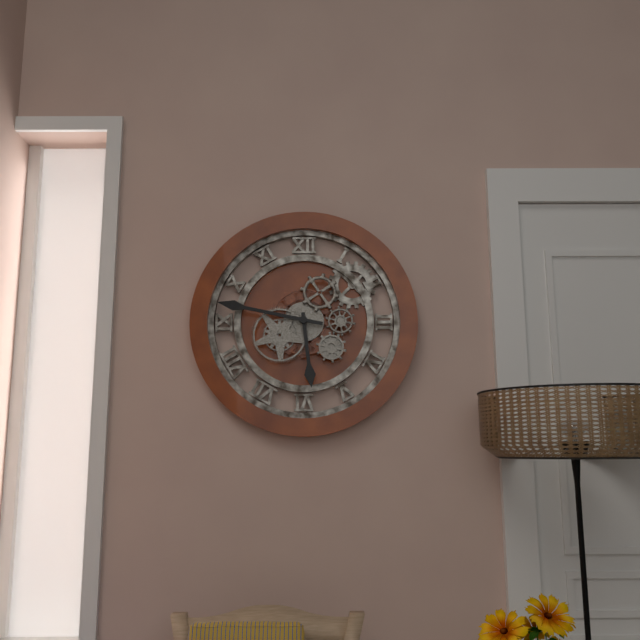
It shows 5h47
